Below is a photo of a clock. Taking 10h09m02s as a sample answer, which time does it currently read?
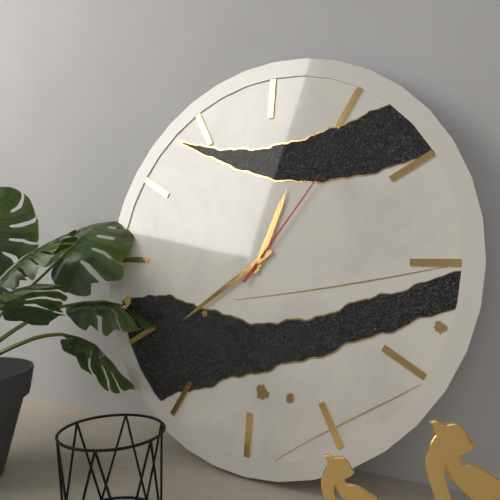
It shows 12h39m06s
